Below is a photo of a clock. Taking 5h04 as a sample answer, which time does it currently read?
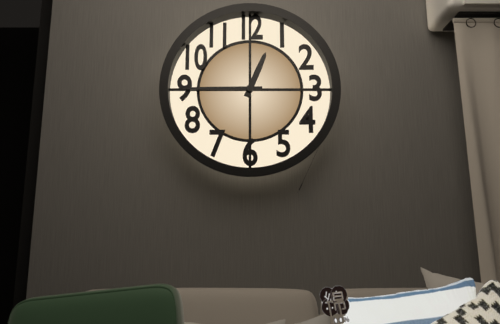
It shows 12h45
